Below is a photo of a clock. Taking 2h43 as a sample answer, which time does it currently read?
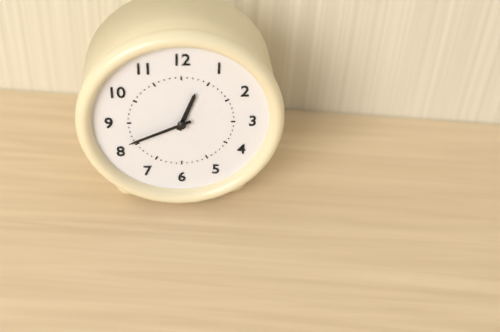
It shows 12h41
